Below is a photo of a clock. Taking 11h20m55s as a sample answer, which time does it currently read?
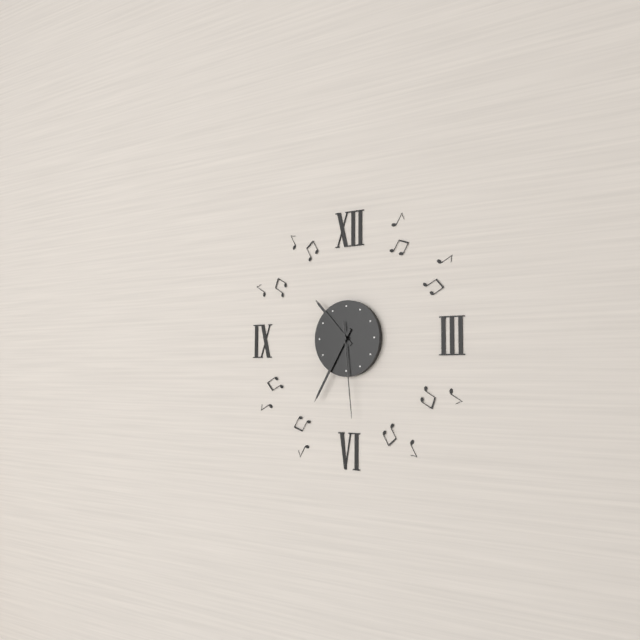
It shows 10h35m29s
